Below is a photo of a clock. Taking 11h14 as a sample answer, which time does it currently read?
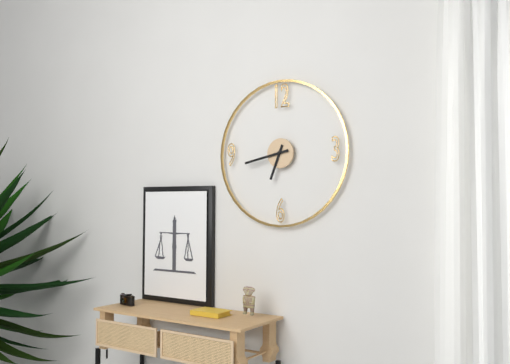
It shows 6h43
